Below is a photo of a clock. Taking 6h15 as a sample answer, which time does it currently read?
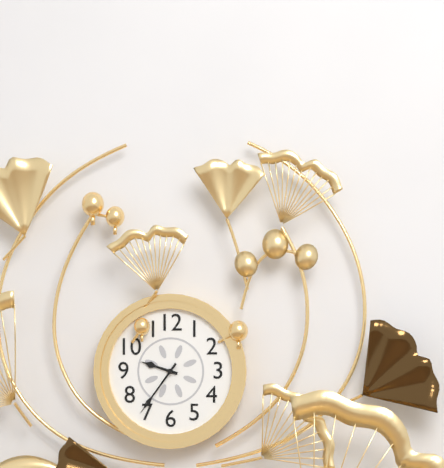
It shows 9h36
